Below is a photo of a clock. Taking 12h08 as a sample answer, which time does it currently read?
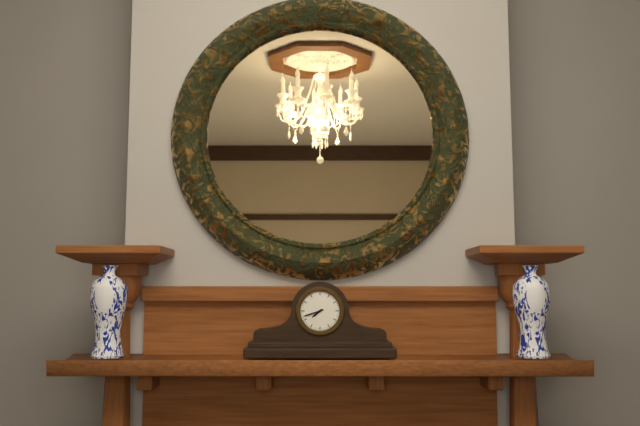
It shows 7h42
